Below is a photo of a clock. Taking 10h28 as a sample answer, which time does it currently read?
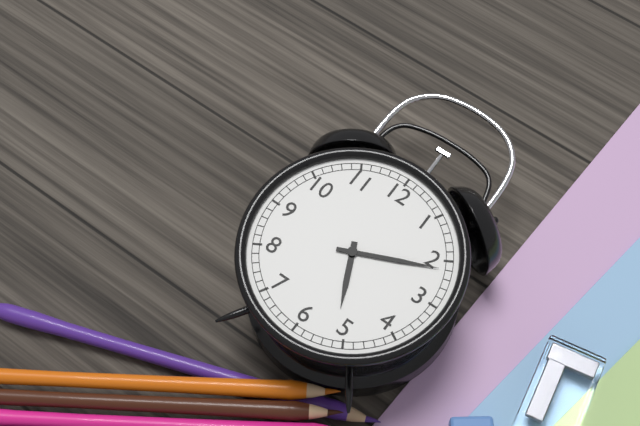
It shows 5h11
